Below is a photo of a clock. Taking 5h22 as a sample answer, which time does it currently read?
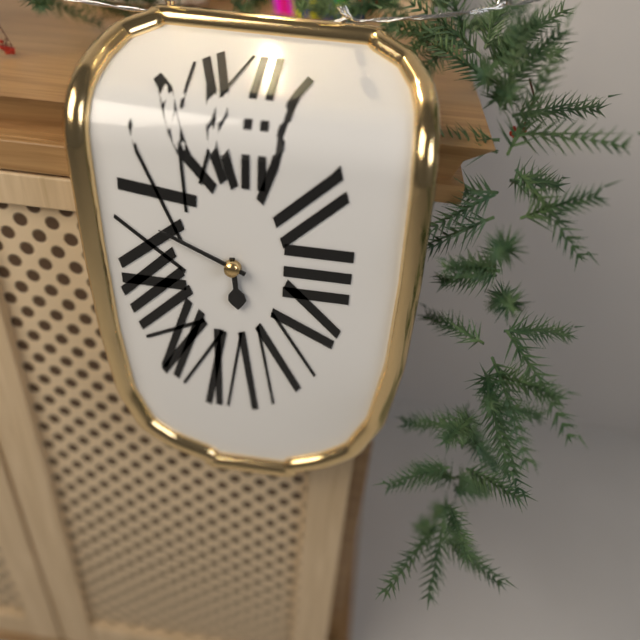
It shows 5h49
